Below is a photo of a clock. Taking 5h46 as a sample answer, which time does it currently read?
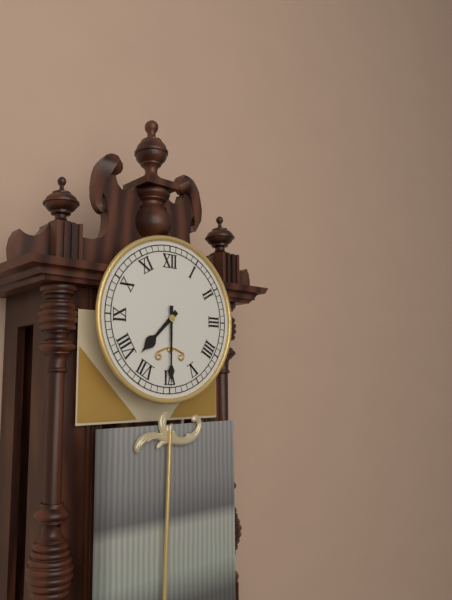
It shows 7h30
